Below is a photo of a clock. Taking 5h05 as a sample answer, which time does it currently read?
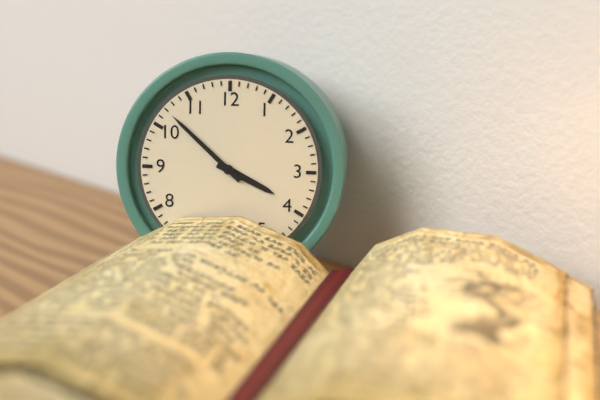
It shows 3h52
